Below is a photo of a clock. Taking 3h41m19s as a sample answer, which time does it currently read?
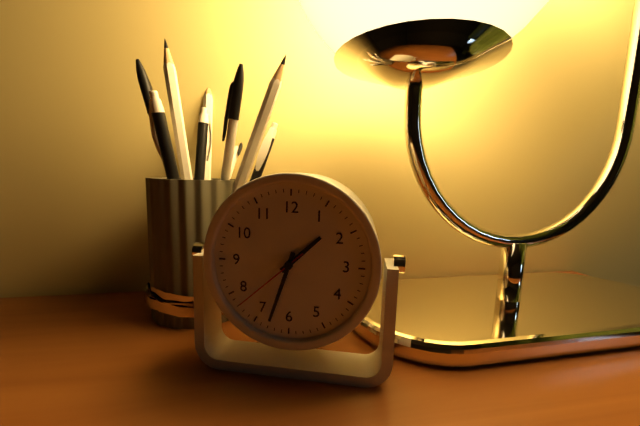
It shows 1h33m38s
